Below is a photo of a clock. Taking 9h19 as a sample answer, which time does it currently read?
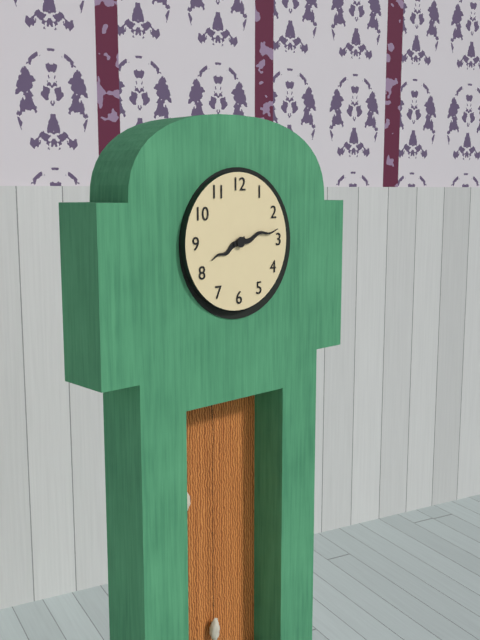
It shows 8h13
